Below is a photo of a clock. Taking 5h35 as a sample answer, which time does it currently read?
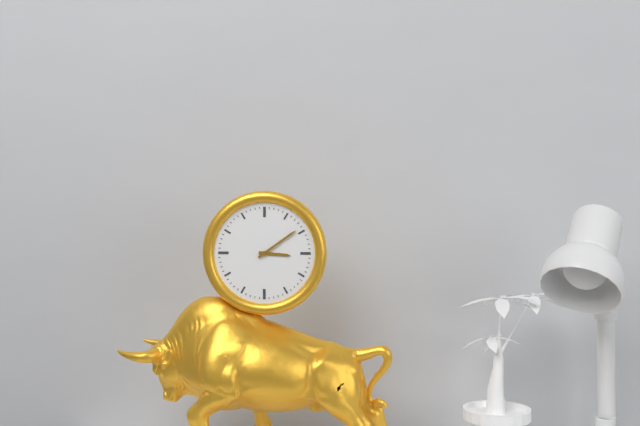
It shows 3h09
